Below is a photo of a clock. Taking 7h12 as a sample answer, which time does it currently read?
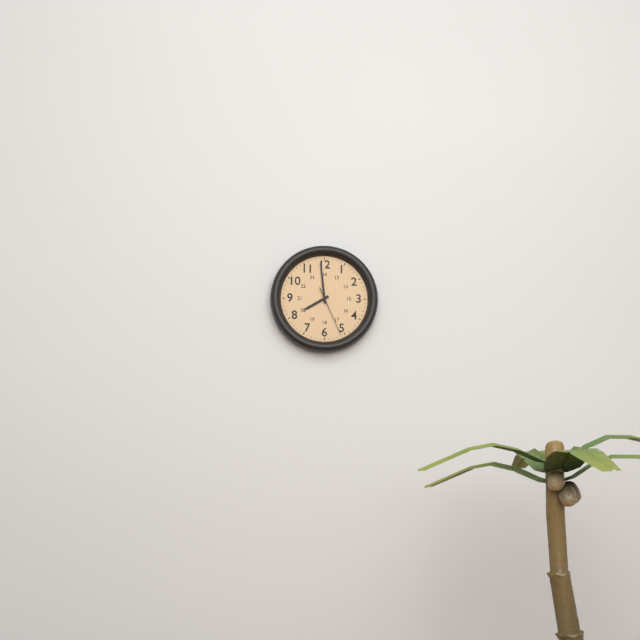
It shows 7h59
